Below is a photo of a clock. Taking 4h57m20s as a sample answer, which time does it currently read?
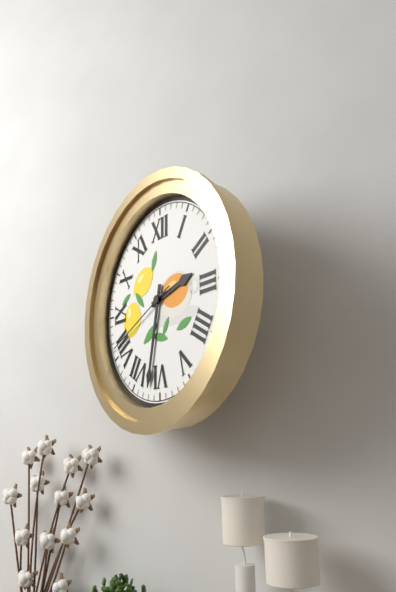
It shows 2h32m41s
